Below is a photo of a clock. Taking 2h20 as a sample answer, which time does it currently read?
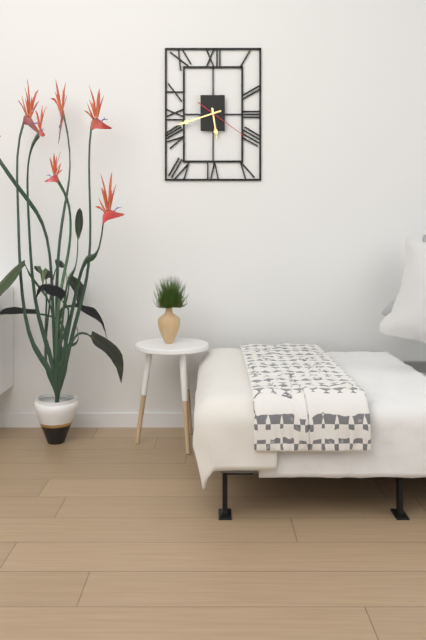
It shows 5h42
